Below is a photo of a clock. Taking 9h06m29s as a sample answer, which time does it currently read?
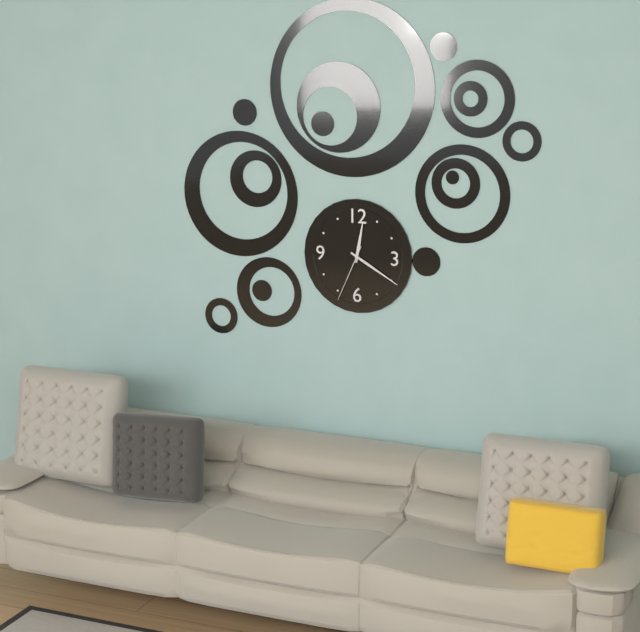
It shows 12h20m34s
